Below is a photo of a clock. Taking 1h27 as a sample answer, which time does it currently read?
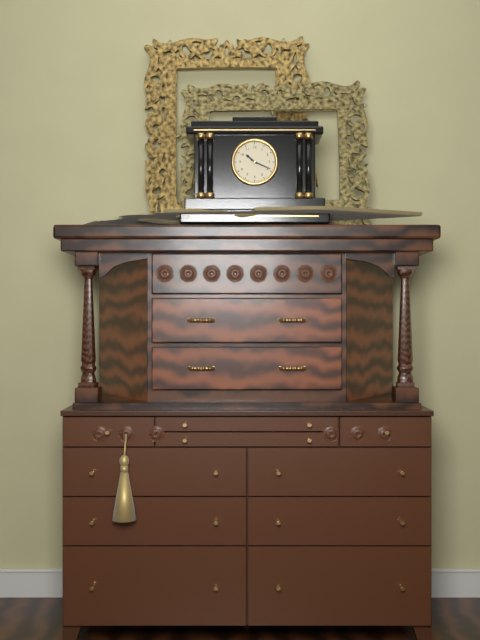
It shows 10h19
